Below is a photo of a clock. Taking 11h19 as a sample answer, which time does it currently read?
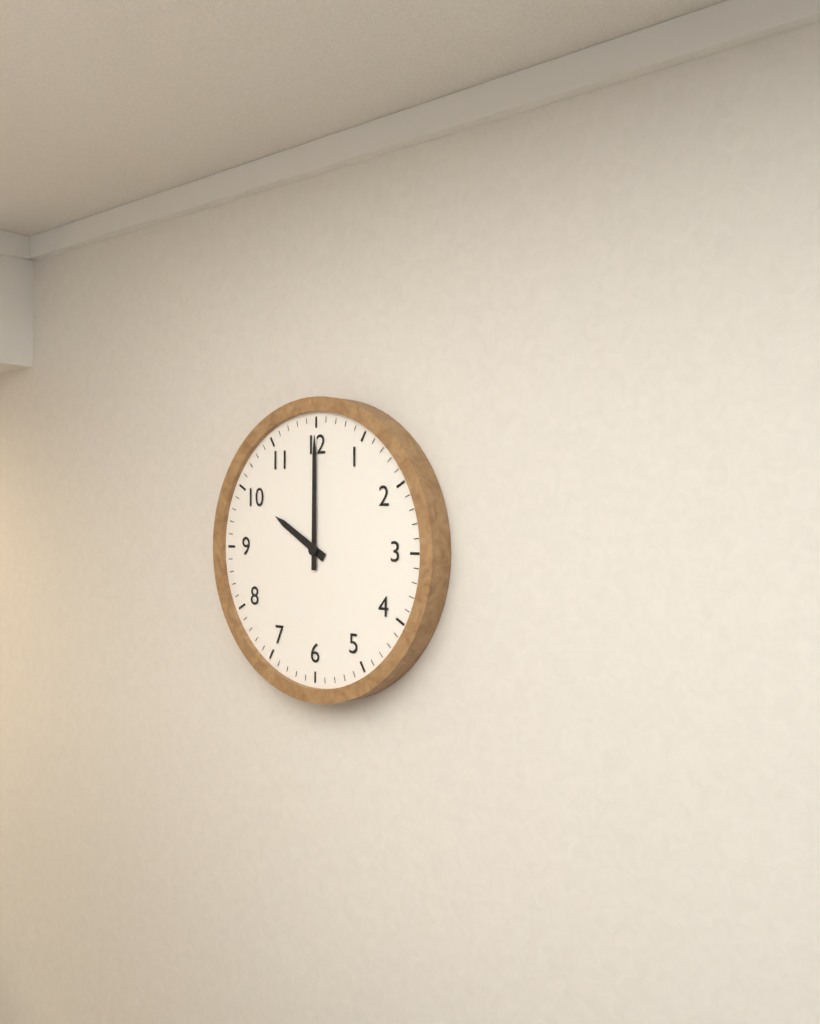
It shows 10h00
